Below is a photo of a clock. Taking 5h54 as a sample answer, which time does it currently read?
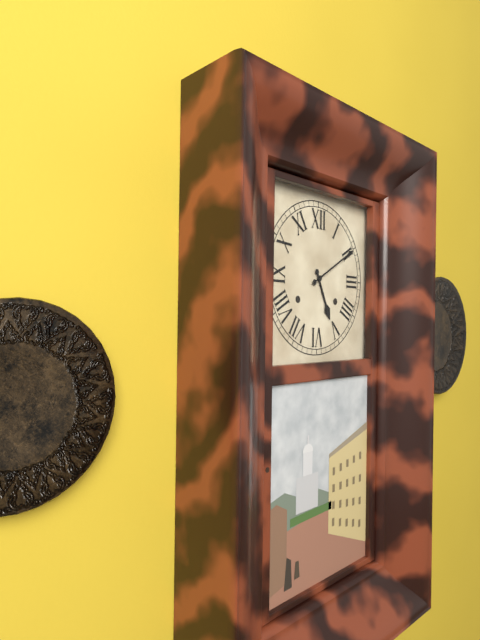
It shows 5h10
